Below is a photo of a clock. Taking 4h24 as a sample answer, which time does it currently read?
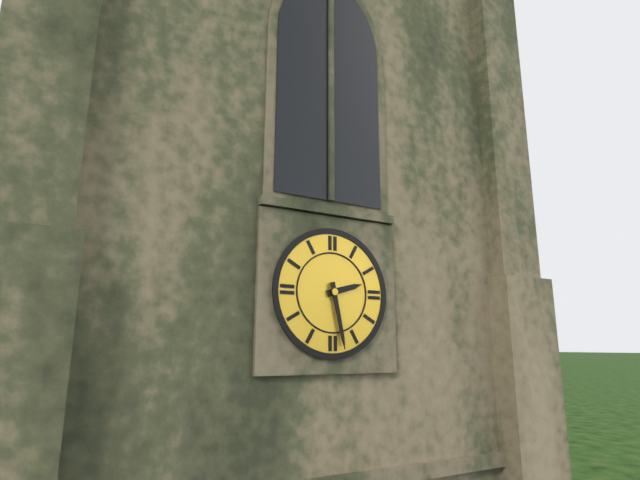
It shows 2h28
